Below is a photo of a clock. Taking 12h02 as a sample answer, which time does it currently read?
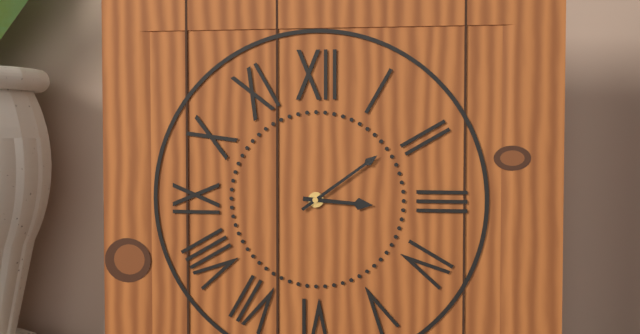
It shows 3h09
